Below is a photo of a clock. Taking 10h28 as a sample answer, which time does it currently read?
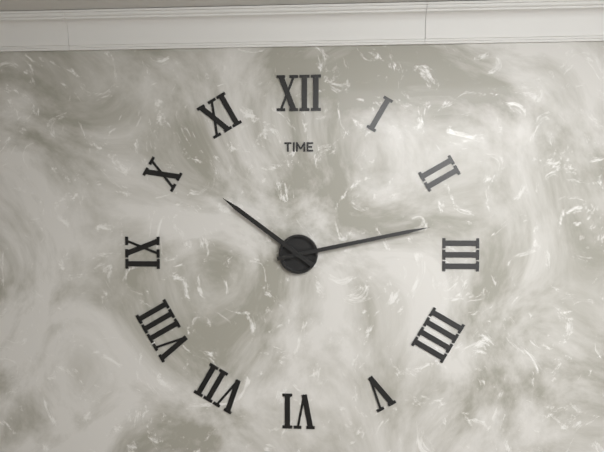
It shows 10h13
